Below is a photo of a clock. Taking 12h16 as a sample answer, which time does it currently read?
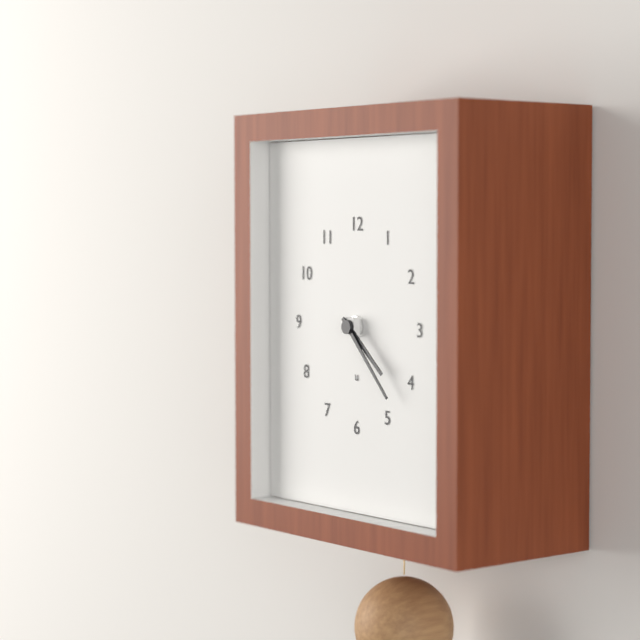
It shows 4h23
